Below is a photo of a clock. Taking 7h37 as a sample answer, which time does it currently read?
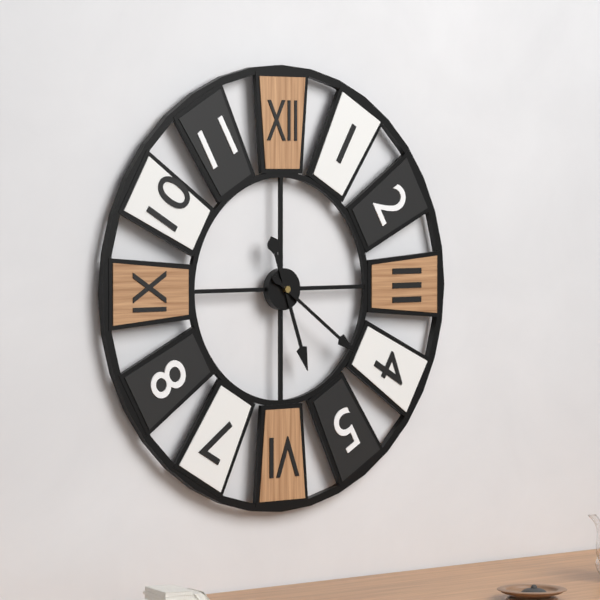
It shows 5h21
